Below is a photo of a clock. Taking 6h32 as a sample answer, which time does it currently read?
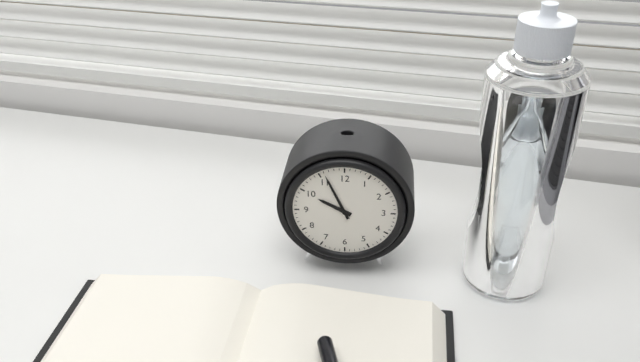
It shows 9h56
